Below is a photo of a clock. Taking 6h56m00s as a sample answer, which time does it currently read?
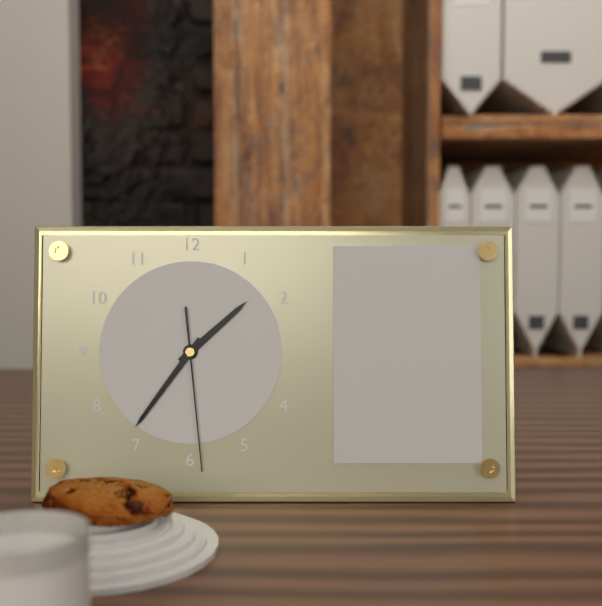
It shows 1h36m29s
